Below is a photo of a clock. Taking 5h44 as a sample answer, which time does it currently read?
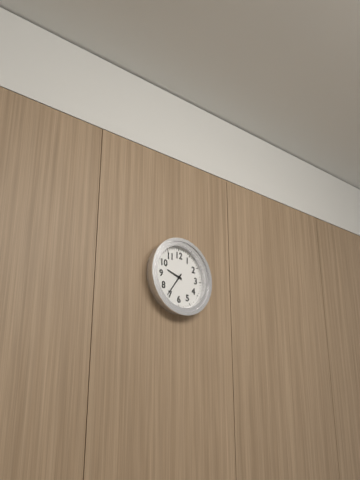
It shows 9h36
